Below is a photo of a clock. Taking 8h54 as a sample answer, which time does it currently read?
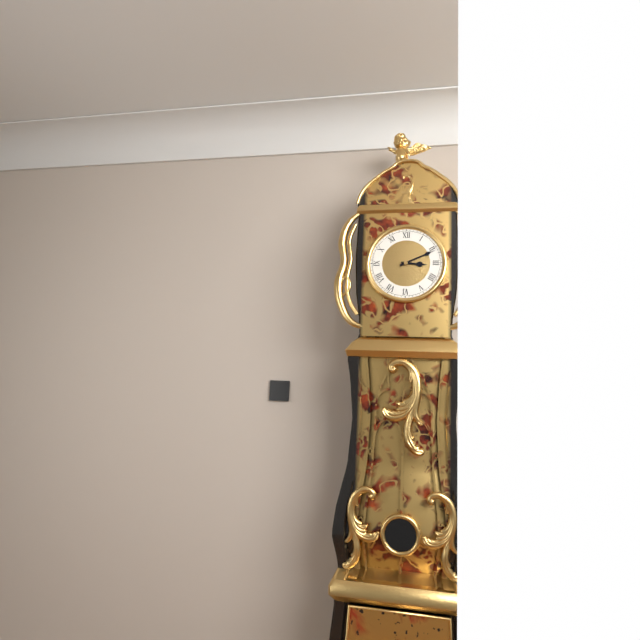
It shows 3h11
